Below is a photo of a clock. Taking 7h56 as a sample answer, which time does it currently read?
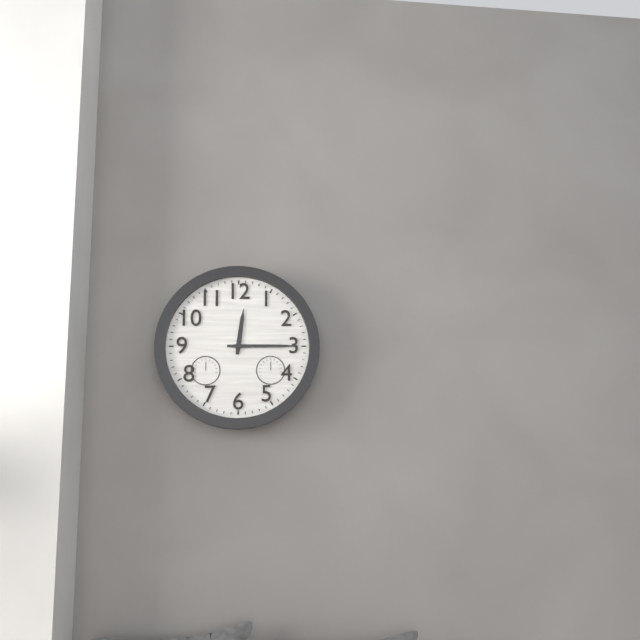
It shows 12h15
